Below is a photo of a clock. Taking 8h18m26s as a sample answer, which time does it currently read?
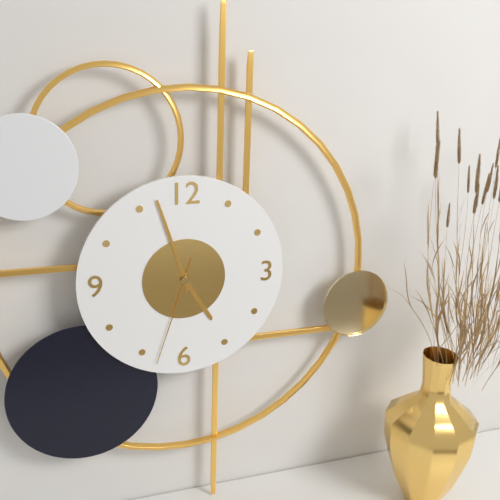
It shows 4h57m33s
